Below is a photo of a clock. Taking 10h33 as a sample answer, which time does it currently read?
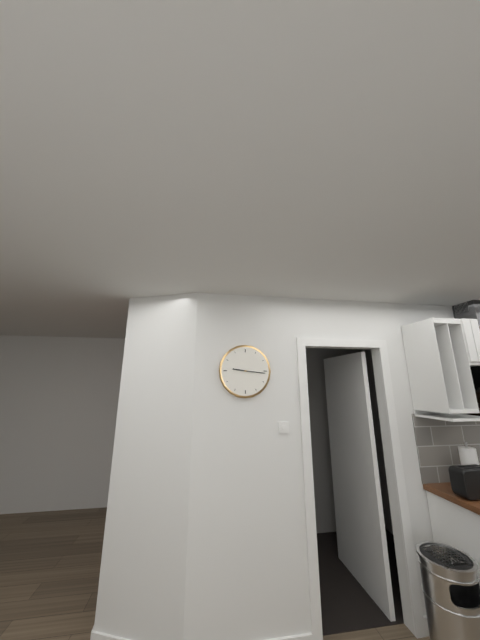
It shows 9h16
